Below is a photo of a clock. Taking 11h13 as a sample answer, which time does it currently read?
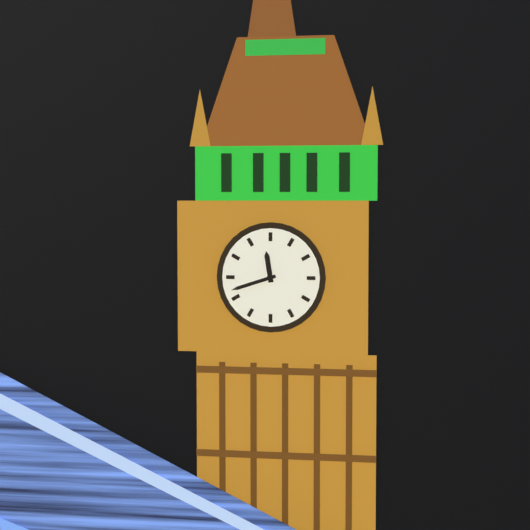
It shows 11h42
